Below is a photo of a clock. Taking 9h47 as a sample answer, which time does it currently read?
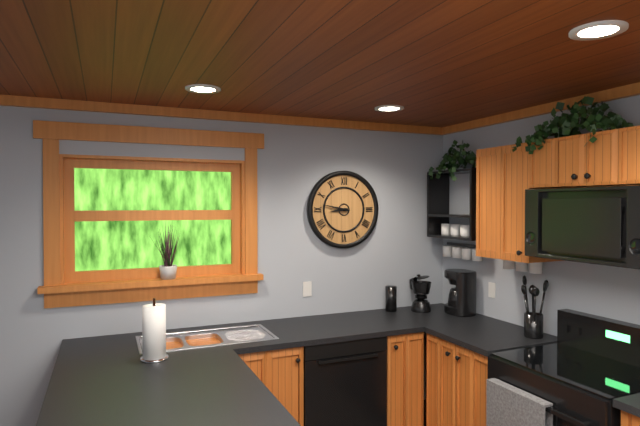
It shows 8h47
